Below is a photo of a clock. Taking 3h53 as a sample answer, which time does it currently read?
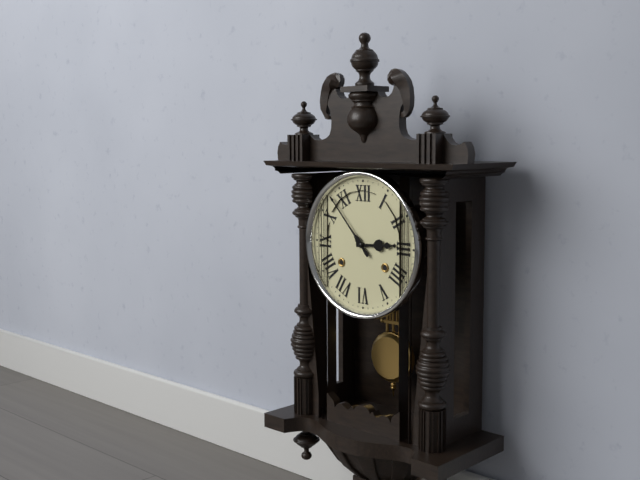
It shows 2h53
